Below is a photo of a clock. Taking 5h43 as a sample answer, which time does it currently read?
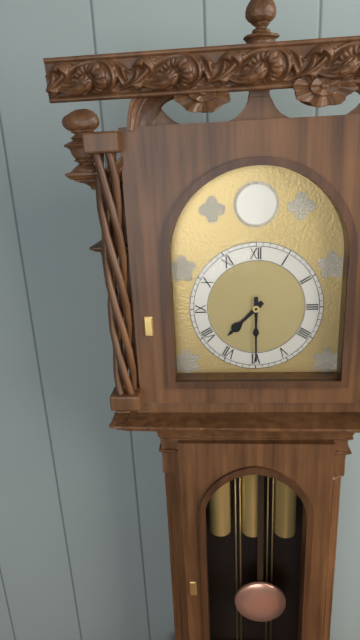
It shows 7h30
